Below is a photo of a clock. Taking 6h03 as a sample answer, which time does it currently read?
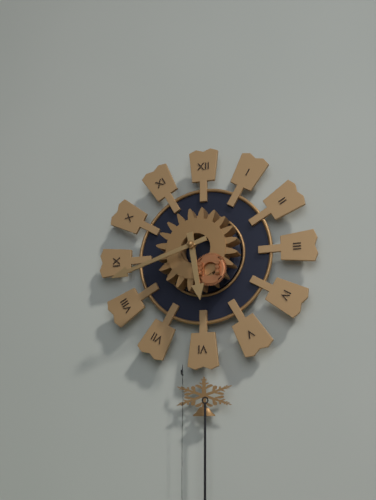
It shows 5h42
